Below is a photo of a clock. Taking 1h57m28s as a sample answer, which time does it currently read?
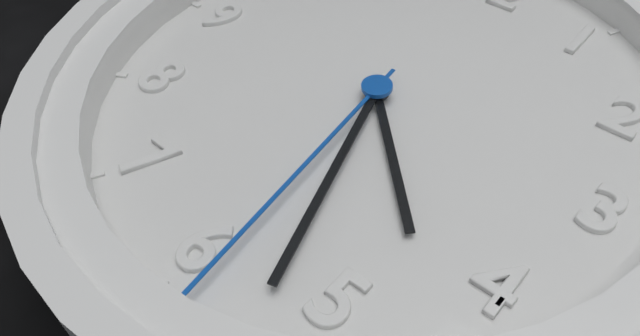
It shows 4h27m29s
